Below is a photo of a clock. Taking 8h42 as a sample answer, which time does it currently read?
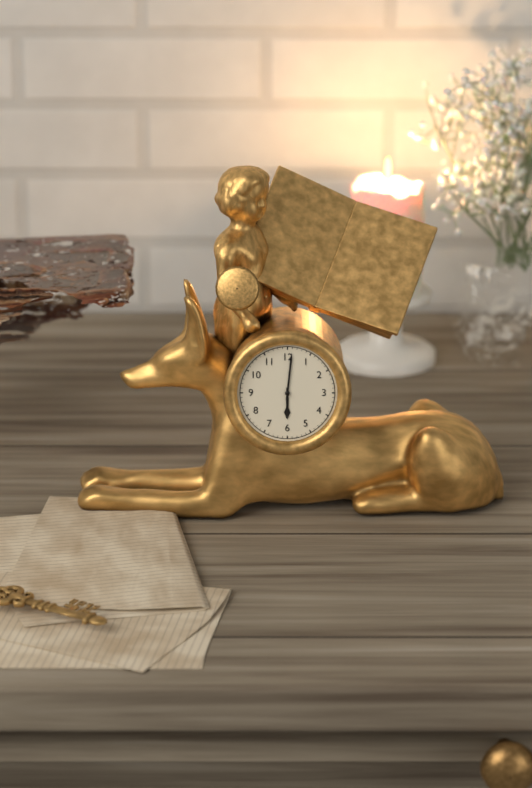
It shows 6h01
